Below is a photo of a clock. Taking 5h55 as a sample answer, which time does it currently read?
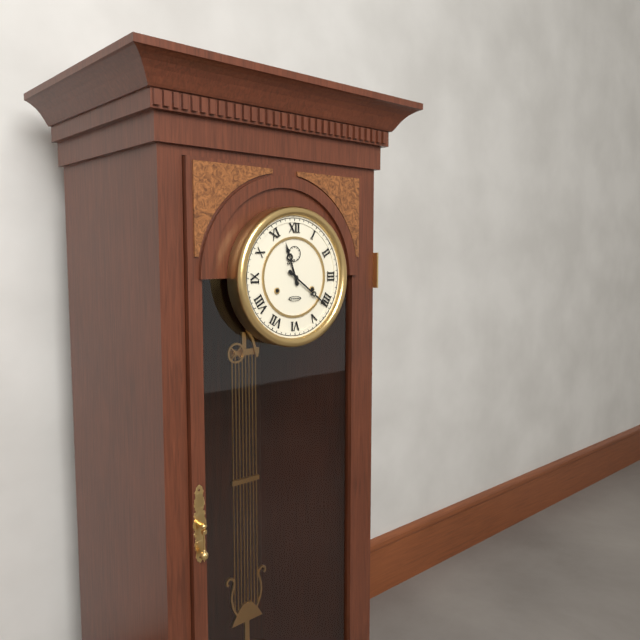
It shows 11h21
